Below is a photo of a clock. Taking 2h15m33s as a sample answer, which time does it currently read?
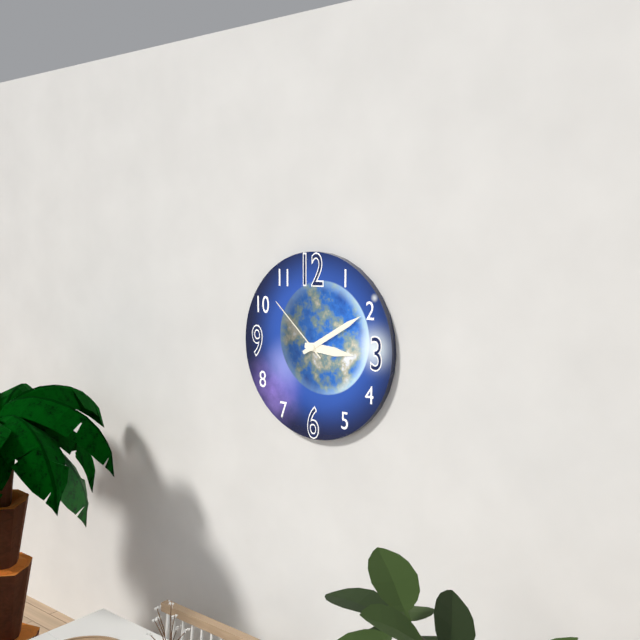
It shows 3h10m52s
